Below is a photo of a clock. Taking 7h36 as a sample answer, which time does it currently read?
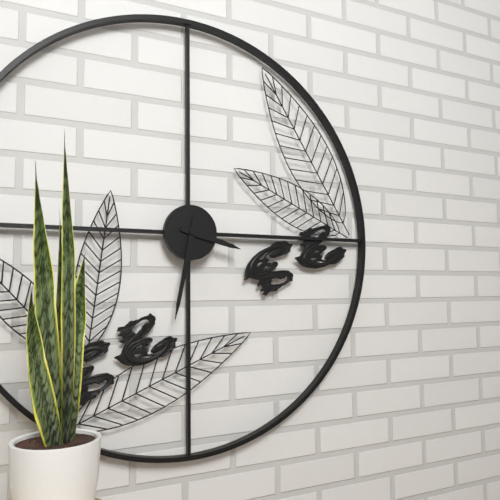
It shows 3h32
